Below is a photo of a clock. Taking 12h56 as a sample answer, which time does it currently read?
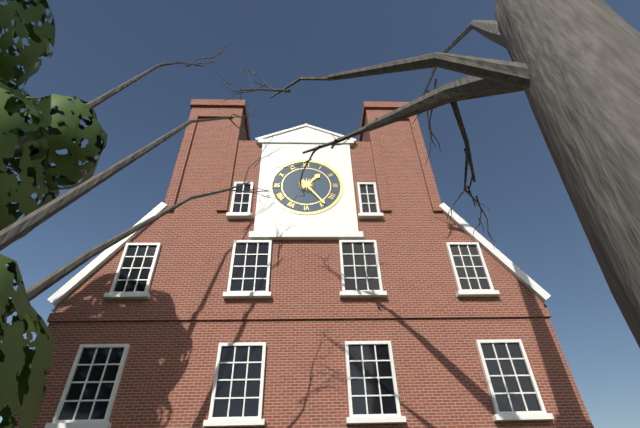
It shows 1h24
